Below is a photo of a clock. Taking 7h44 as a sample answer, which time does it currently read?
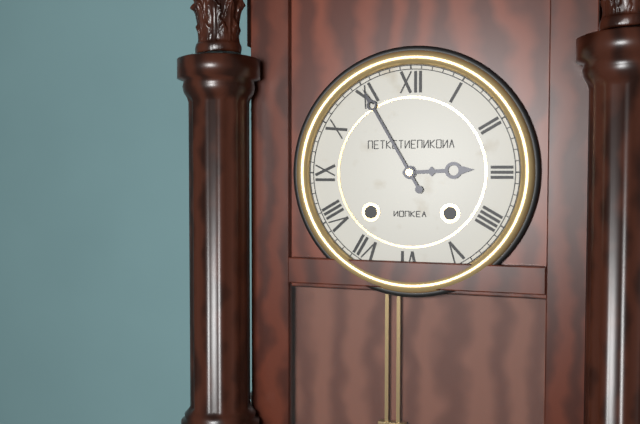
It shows 2h55
